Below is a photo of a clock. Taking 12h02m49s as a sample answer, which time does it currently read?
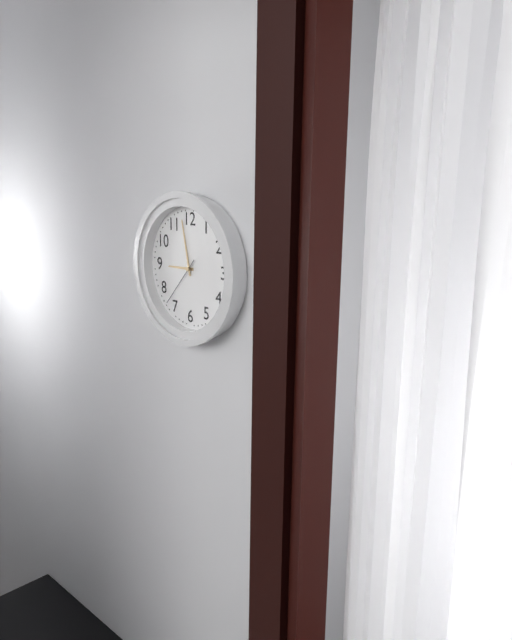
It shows 8h58m37s
